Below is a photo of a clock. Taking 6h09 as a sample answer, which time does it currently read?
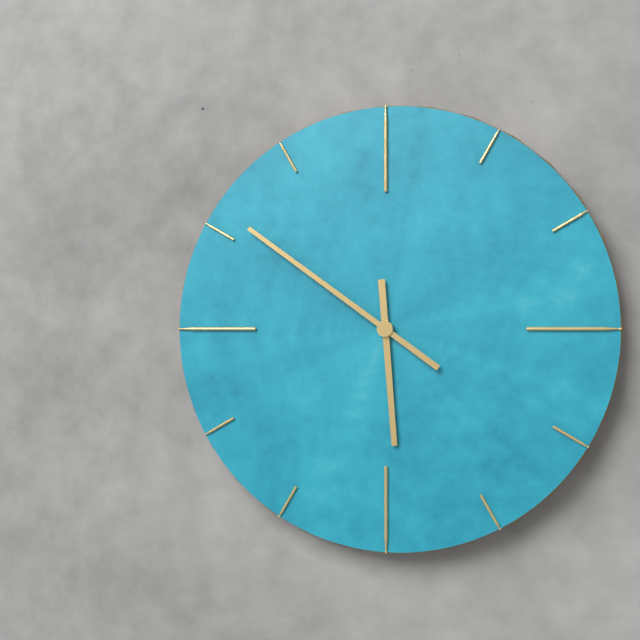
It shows 5h51
